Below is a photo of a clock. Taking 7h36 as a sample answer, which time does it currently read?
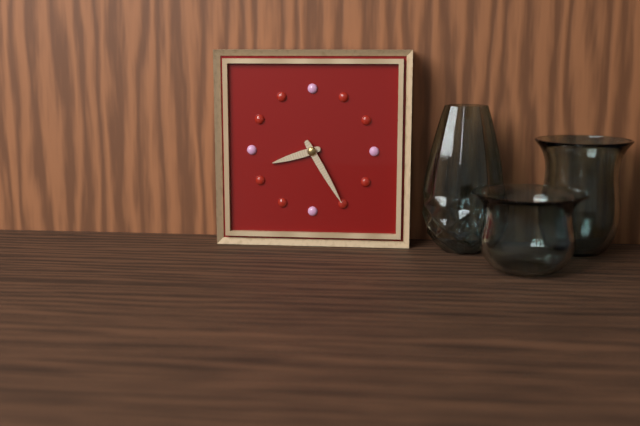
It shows 8h25
